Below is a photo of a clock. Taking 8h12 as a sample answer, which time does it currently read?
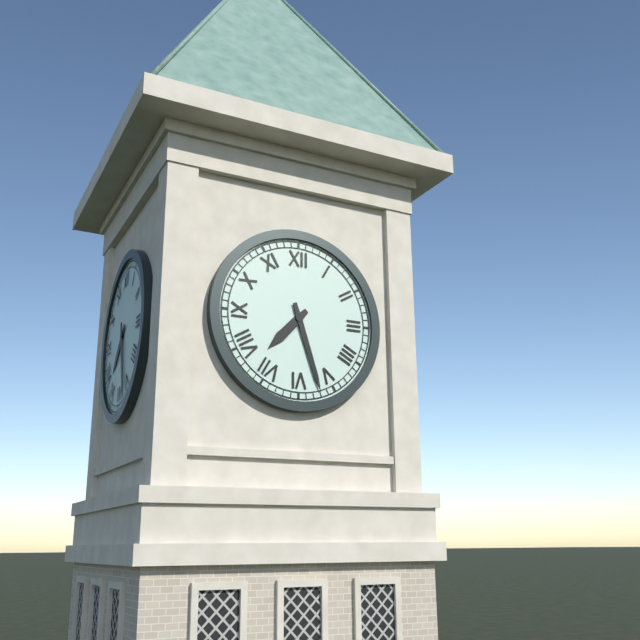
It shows 7h27
